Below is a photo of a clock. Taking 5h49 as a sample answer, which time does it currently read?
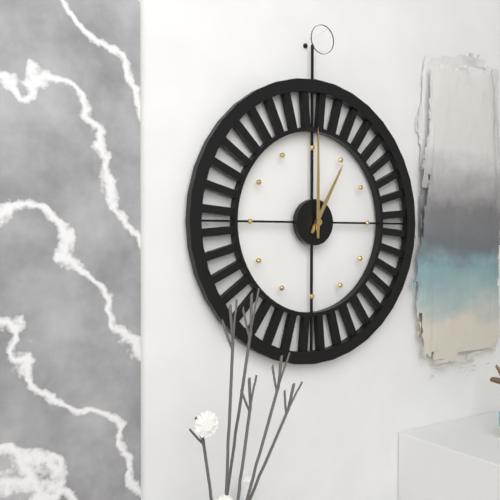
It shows 1h00
